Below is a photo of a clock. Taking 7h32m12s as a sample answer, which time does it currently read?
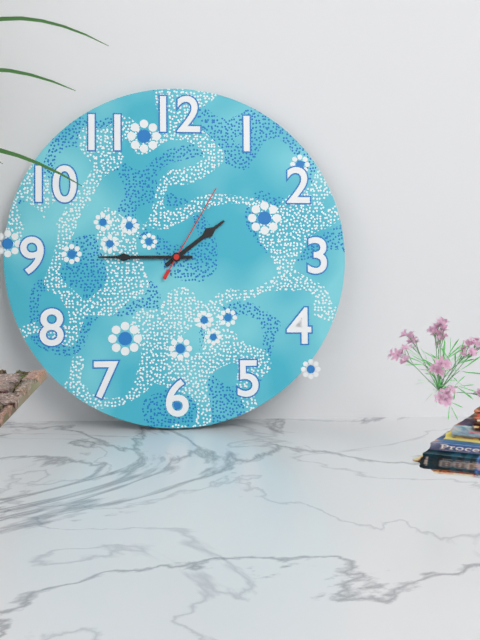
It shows 1h45m05s
